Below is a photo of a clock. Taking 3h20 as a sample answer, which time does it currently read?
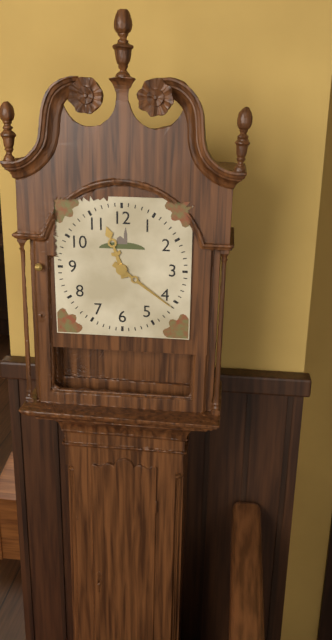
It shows 11h21
